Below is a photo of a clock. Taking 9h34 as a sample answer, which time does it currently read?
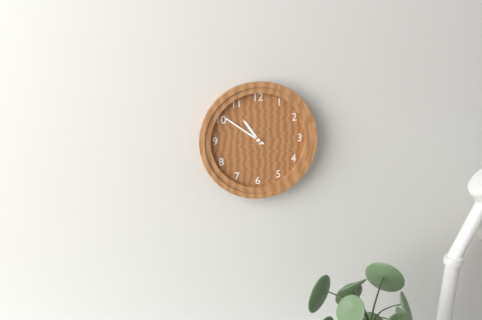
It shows 10h51
